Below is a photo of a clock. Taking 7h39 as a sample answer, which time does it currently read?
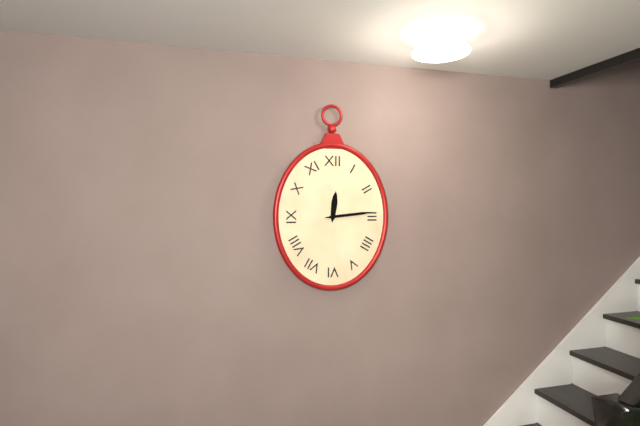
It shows 12h14
